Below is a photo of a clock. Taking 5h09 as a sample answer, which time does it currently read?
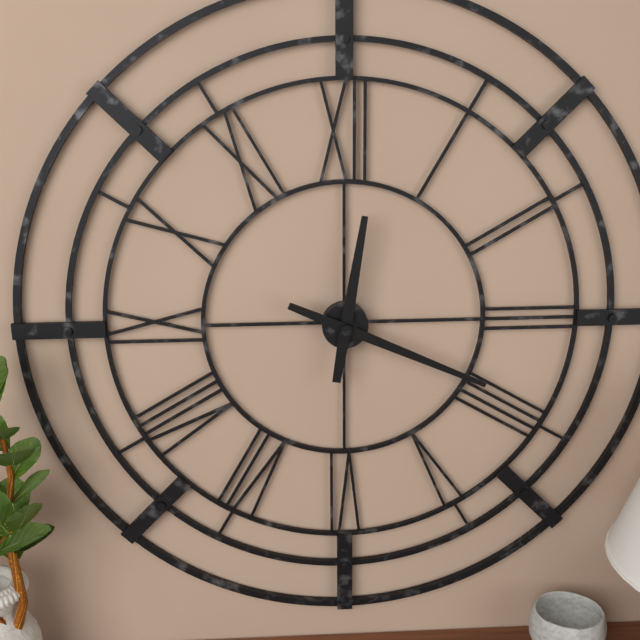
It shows 12h19
